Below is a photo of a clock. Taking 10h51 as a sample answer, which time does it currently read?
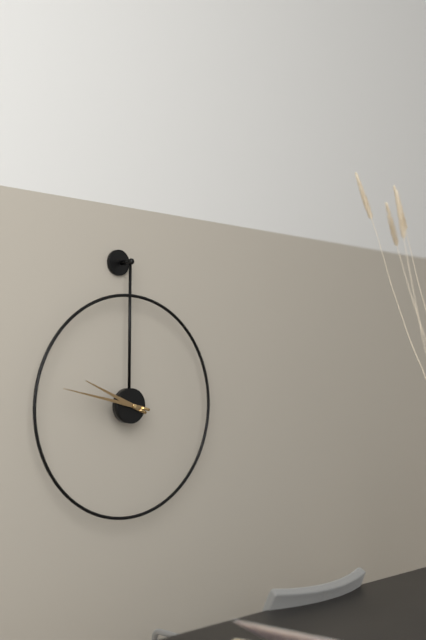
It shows 9h47
